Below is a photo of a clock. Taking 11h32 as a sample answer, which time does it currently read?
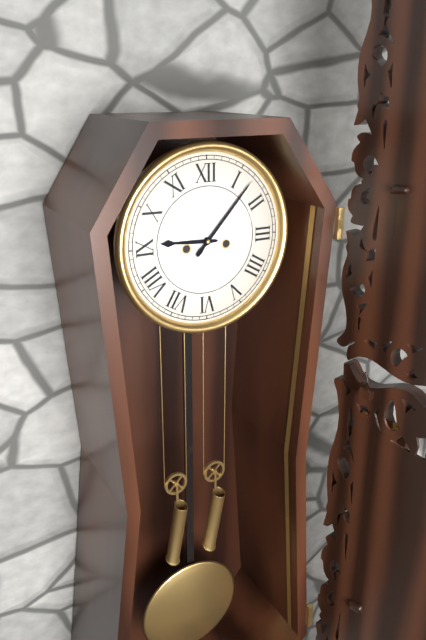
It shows 9h07
